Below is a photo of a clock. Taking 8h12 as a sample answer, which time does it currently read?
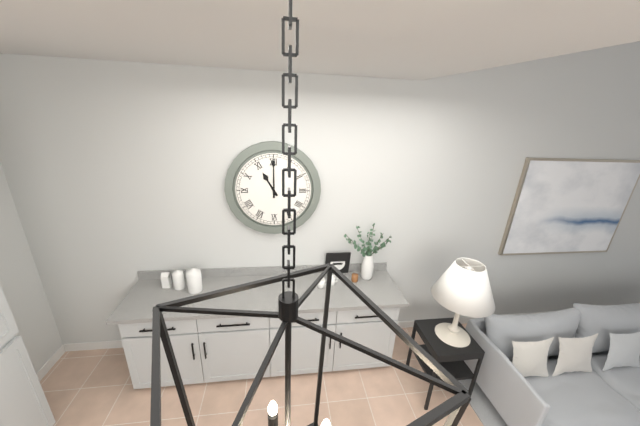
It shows 11h00
